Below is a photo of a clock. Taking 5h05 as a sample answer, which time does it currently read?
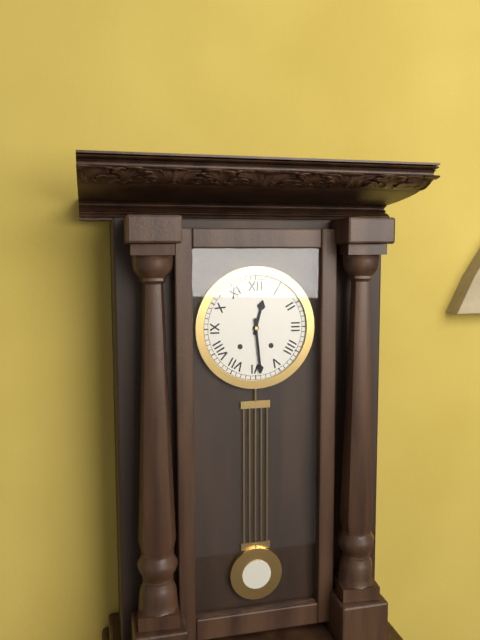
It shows 12h29
